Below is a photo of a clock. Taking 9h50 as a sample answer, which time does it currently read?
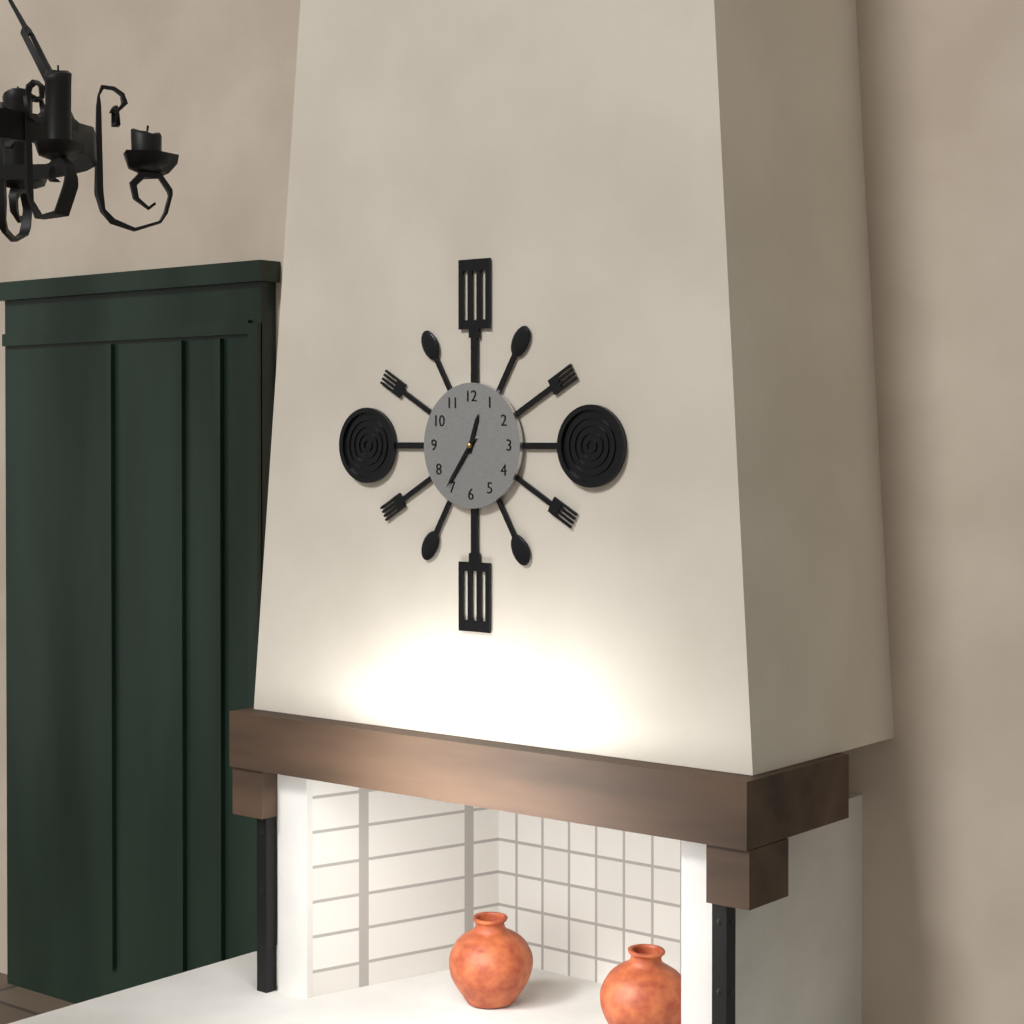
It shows 12h36
